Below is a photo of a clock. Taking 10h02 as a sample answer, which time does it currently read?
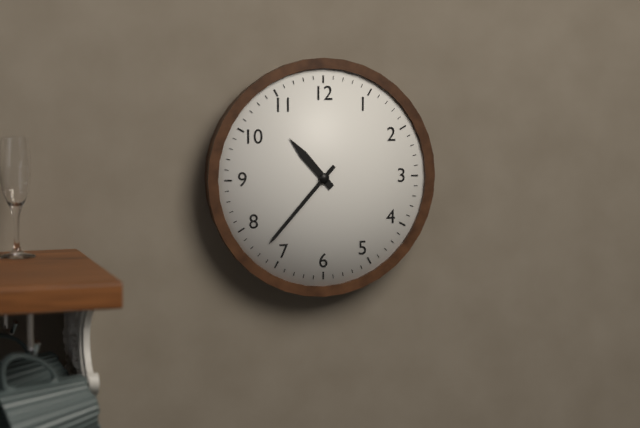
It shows 10h37
